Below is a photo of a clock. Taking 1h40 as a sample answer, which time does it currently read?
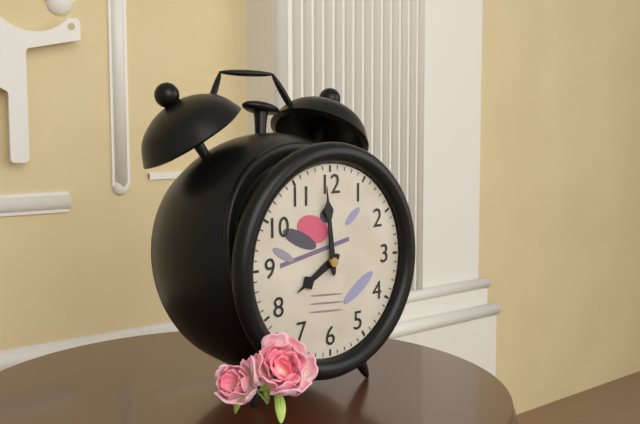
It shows 7h59
